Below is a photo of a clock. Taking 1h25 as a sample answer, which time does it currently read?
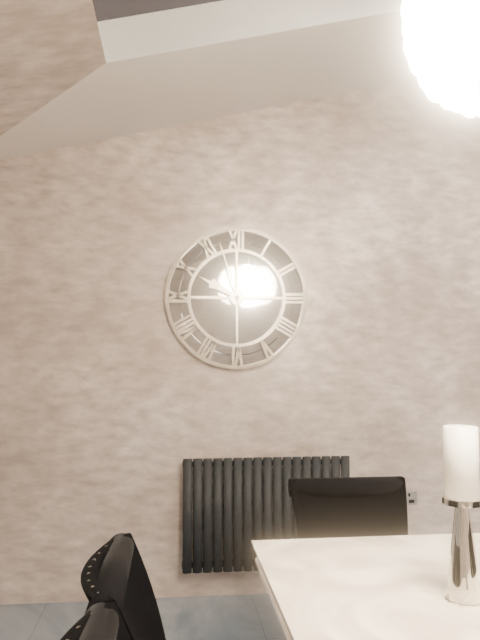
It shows 9h57
